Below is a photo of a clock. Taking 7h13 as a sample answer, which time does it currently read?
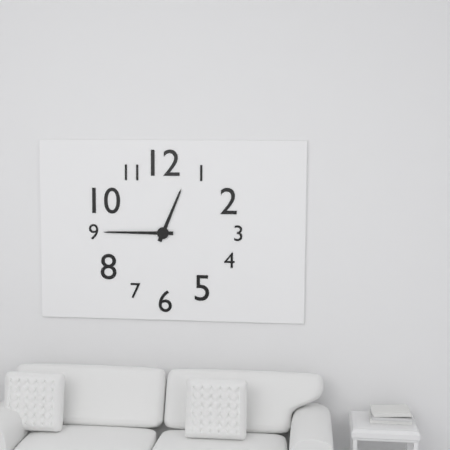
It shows 12h45
